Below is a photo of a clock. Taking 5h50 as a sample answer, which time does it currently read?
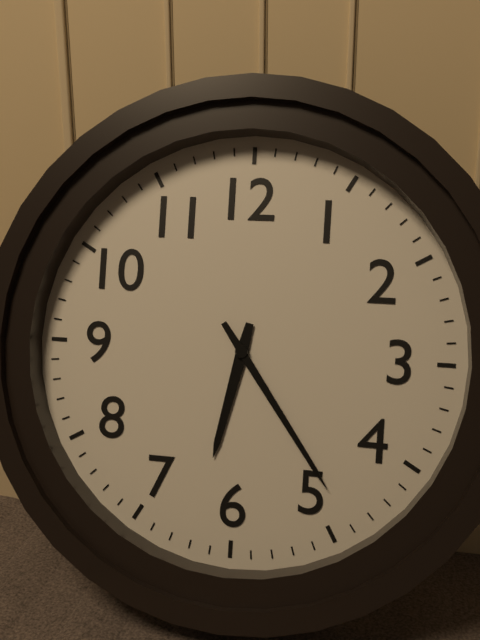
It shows 6h24
